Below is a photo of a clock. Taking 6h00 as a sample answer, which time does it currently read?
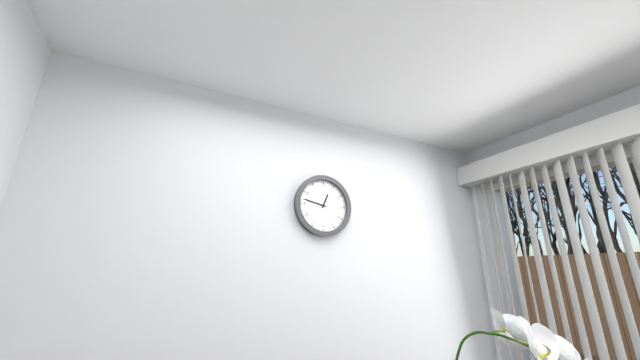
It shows 12h47
